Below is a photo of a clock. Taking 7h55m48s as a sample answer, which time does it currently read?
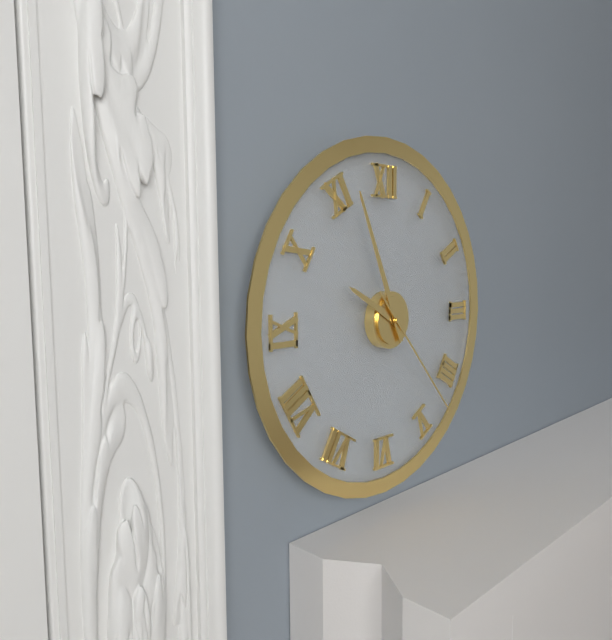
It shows 9h56m23s
